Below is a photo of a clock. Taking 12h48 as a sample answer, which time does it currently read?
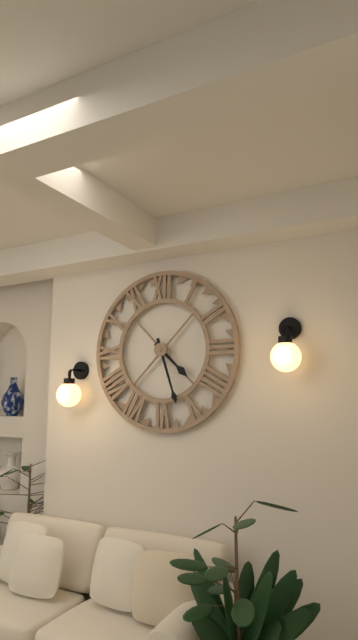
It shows 4h27
